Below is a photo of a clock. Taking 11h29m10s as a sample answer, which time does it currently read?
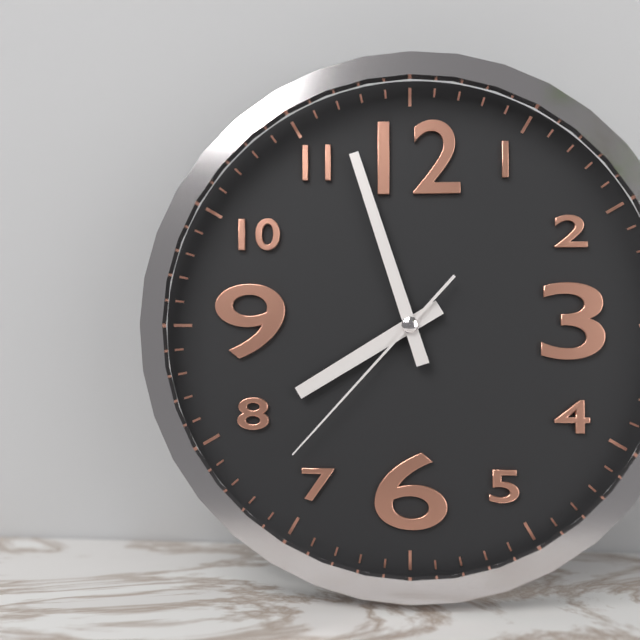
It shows 7h57m37s
